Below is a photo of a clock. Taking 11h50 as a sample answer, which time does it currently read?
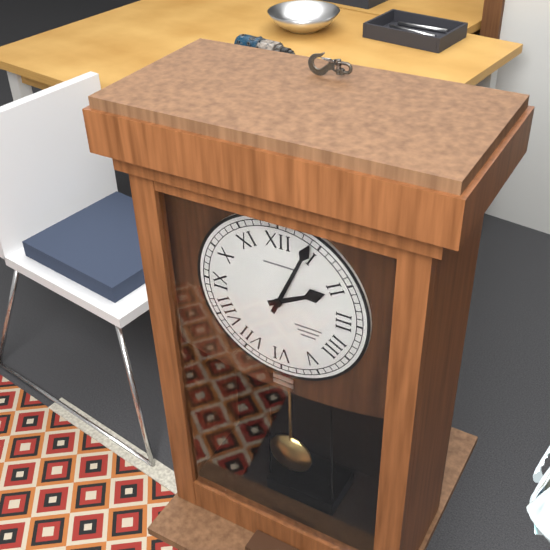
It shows 2h04
